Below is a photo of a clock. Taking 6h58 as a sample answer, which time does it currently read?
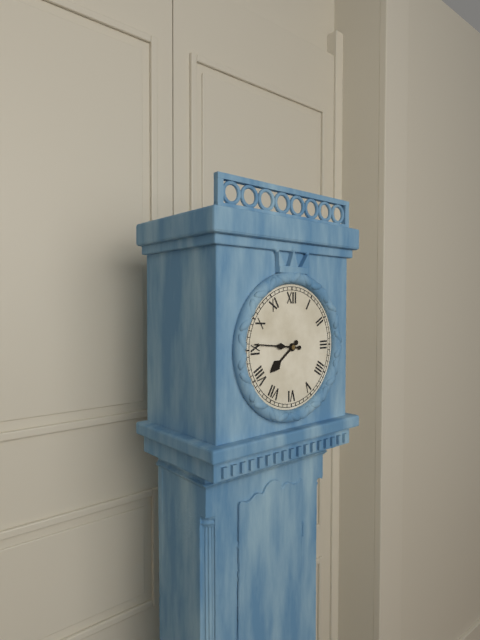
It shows 7h46
